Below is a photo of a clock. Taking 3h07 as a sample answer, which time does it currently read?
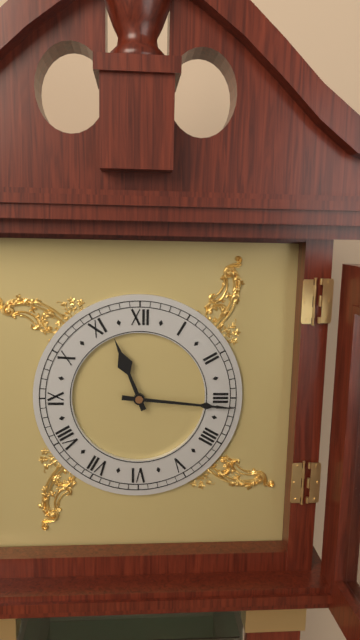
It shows 11h16
